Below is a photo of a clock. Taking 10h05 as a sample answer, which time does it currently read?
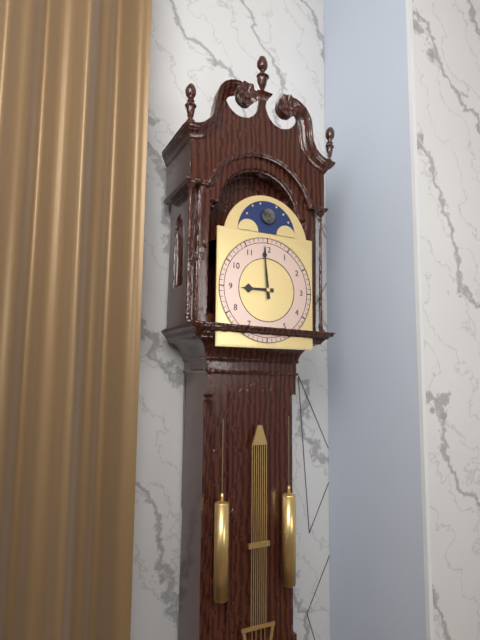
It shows 8h59
